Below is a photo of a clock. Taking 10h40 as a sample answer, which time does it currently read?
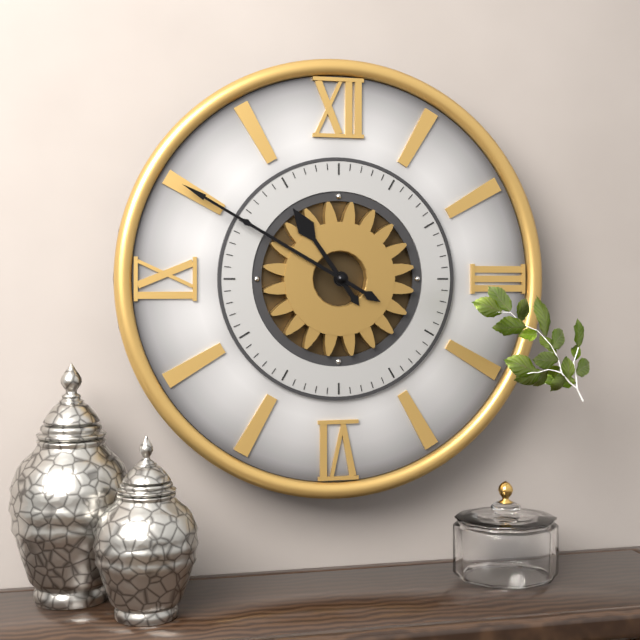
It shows 10h50
